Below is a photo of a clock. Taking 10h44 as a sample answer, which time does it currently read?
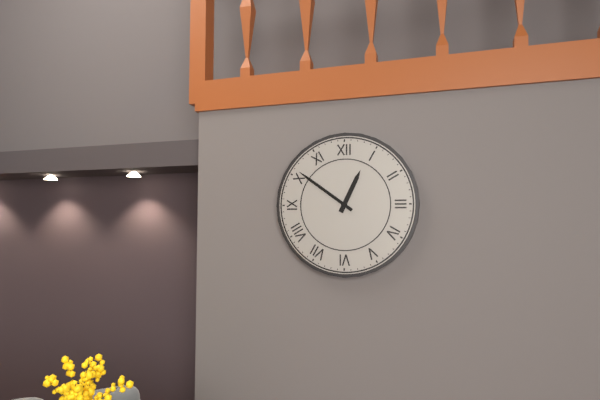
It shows 12h51
